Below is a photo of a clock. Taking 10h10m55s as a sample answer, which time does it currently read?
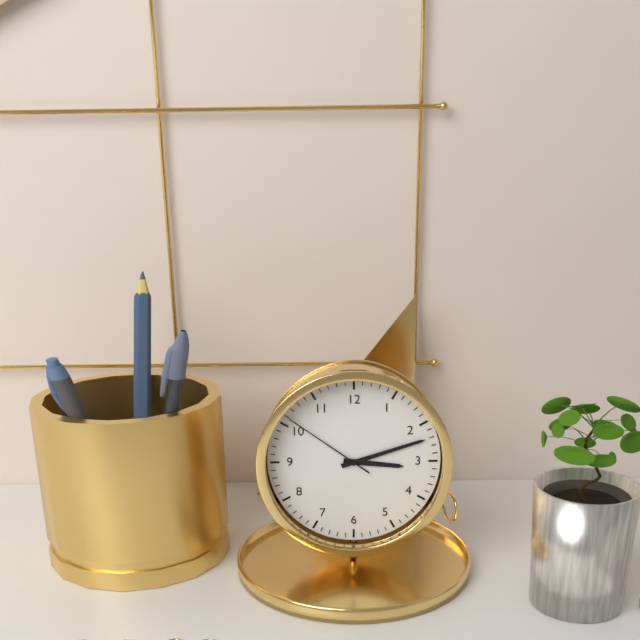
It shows 3h12m51s
